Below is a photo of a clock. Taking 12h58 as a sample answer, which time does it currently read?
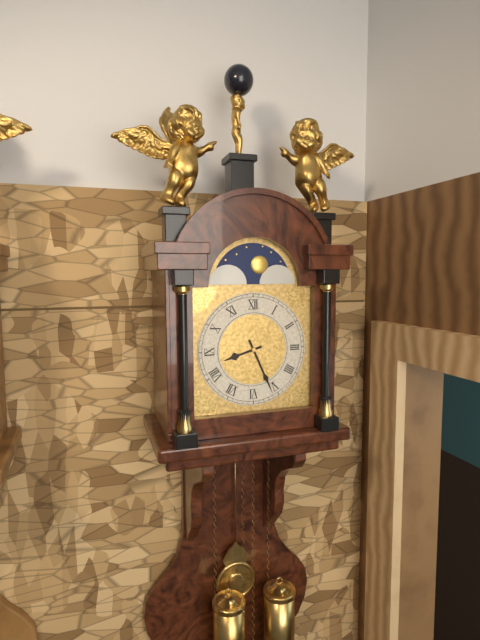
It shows 8h26
